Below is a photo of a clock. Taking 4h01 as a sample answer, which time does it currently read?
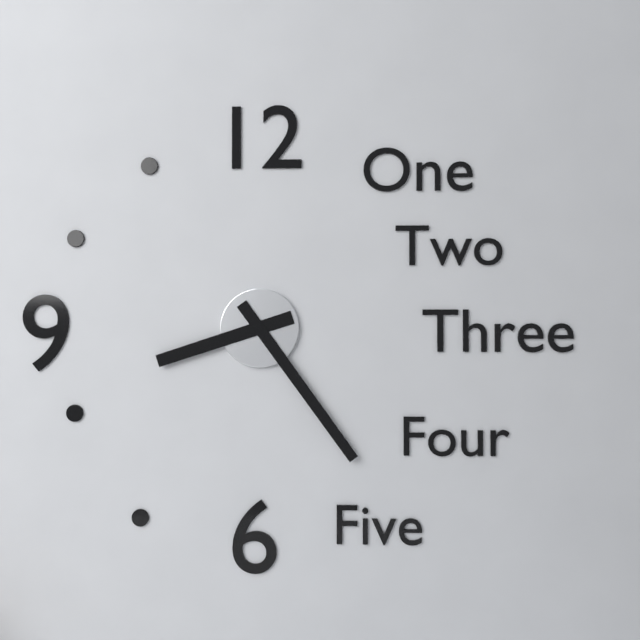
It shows 8h24
